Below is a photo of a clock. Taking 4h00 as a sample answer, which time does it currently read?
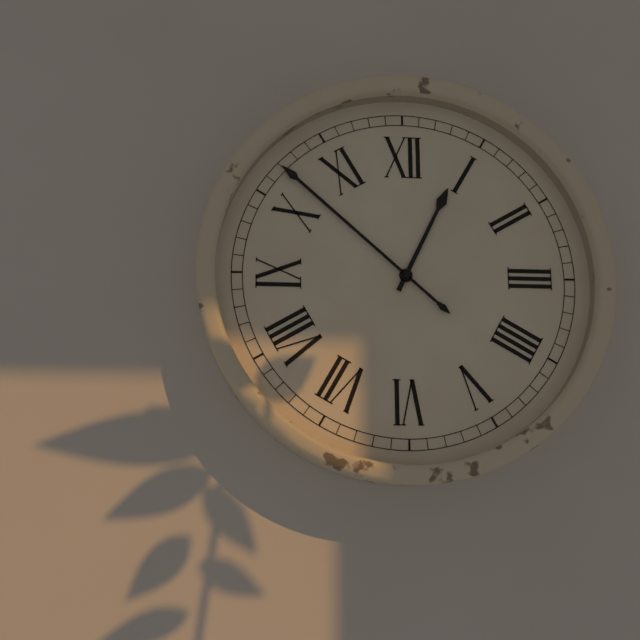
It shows 12h52
